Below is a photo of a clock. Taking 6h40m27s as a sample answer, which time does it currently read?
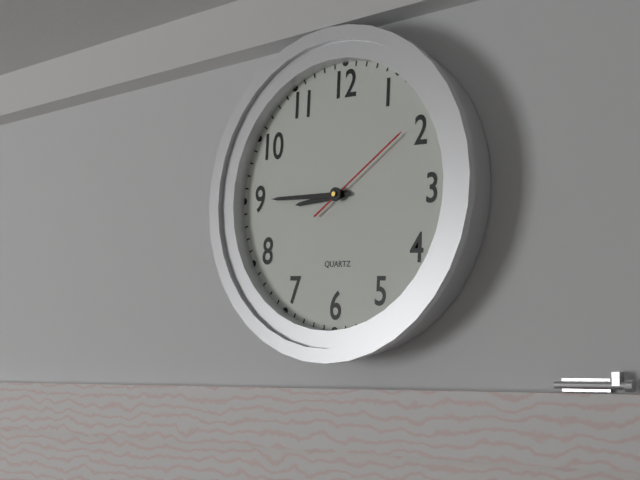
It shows 8h45m09s
